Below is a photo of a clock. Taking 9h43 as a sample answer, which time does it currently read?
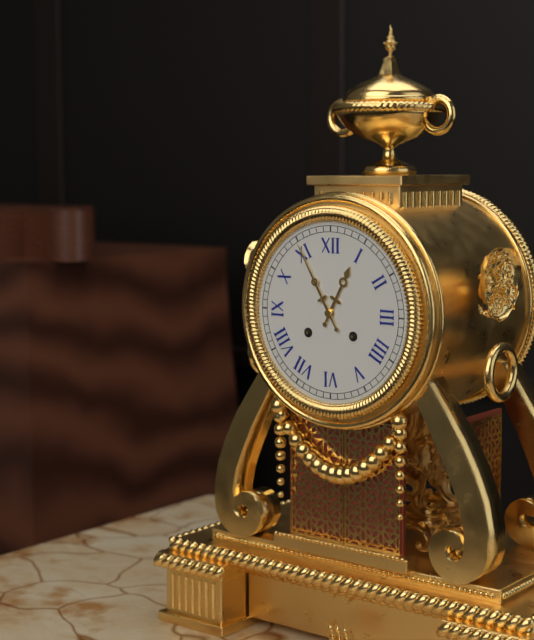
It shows 12h55
